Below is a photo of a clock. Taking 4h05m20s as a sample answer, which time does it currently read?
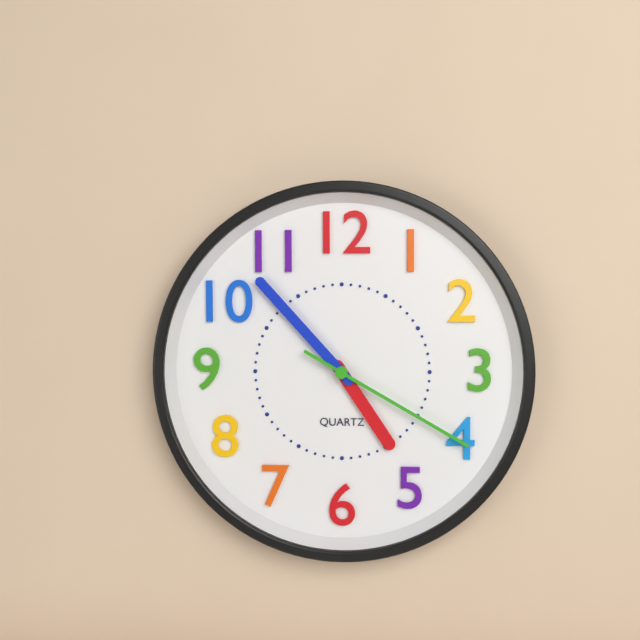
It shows 4h53m20s
